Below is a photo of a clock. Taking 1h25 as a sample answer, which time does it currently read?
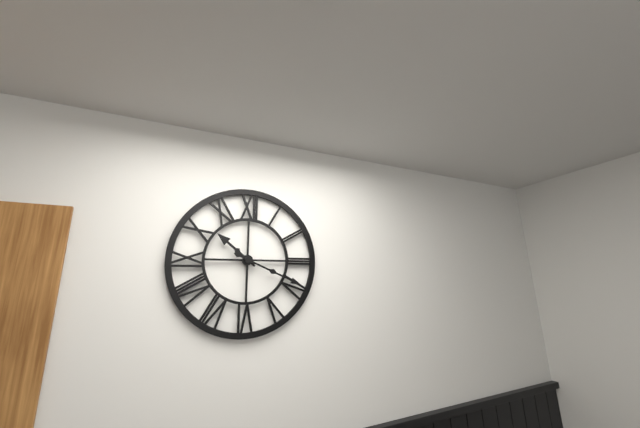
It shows 10h19
